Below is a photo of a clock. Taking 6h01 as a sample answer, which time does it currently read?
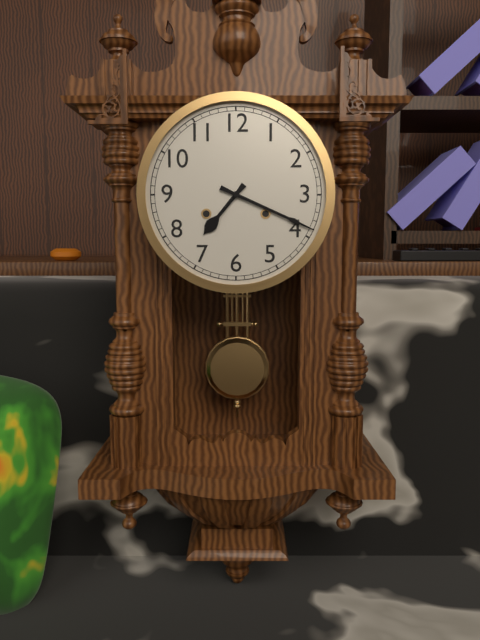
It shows 7h19
